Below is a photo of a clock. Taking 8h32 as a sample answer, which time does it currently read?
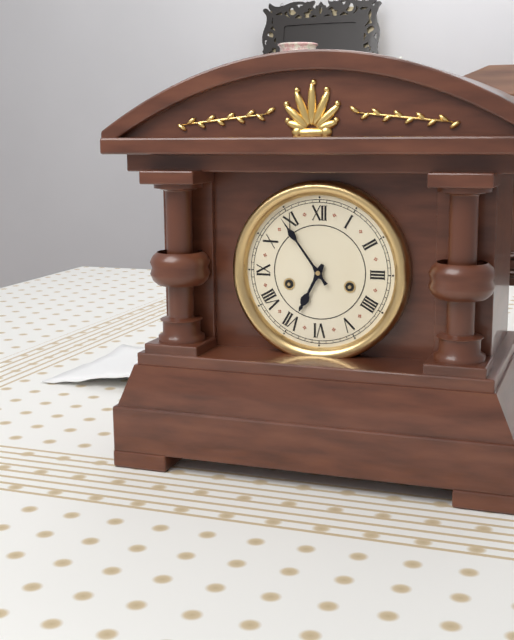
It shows 6h54
